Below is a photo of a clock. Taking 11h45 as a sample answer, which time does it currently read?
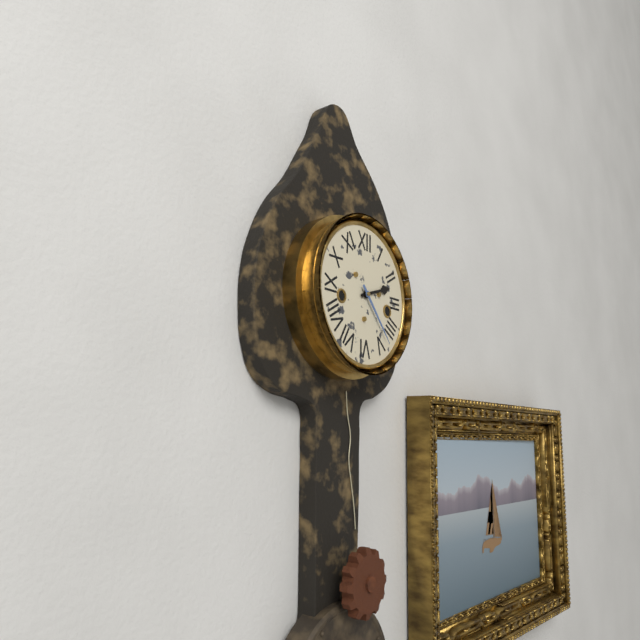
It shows 2h23
